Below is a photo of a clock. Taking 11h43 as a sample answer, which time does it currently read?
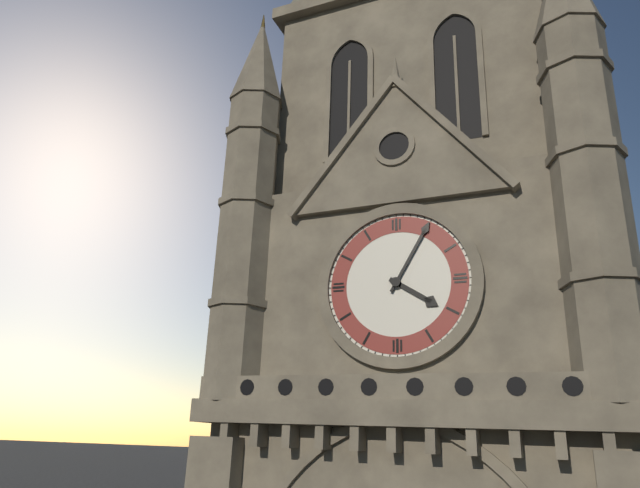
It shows 4h05
